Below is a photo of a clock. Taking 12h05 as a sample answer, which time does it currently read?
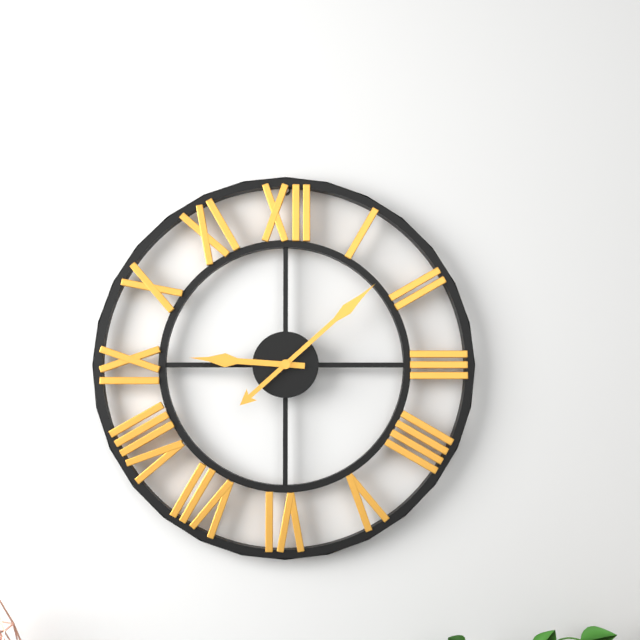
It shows 9h08
